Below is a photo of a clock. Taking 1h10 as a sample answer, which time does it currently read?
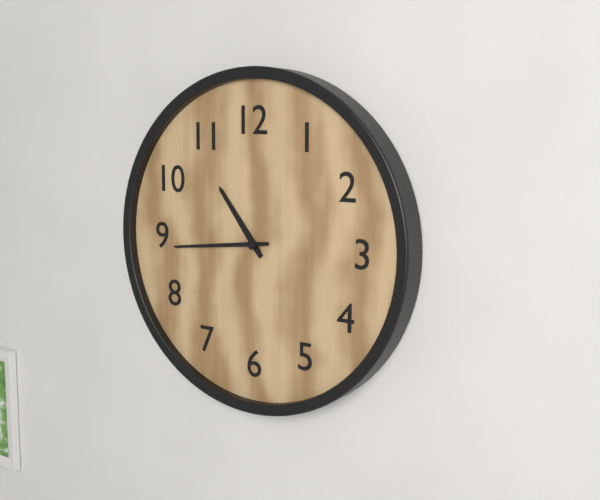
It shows 10h44
